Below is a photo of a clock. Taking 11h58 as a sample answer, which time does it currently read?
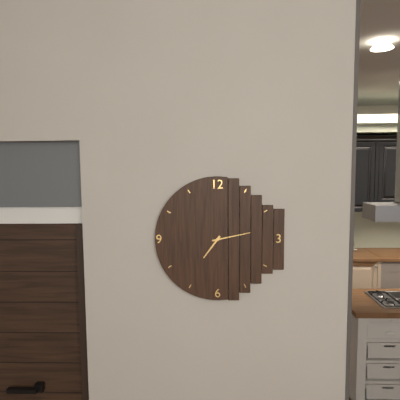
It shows 7h13
